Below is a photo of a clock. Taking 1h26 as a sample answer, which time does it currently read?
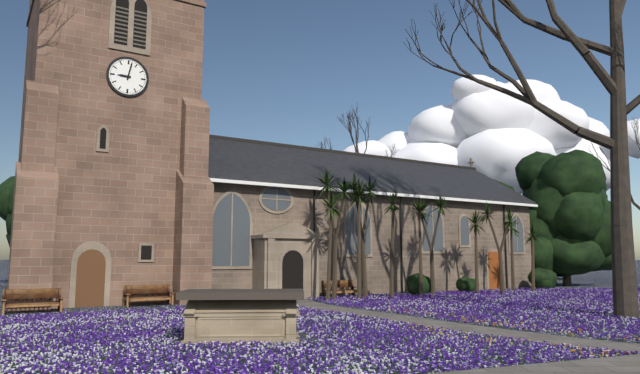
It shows 9h02
